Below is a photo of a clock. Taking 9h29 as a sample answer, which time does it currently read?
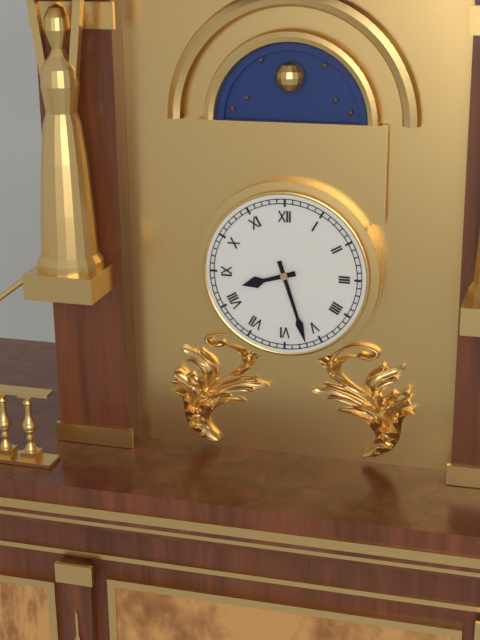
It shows 8h27
